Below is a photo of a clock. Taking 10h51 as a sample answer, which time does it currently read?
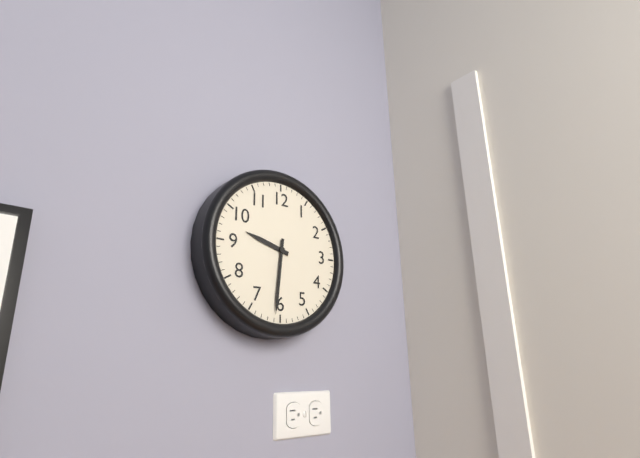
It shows 9h31
